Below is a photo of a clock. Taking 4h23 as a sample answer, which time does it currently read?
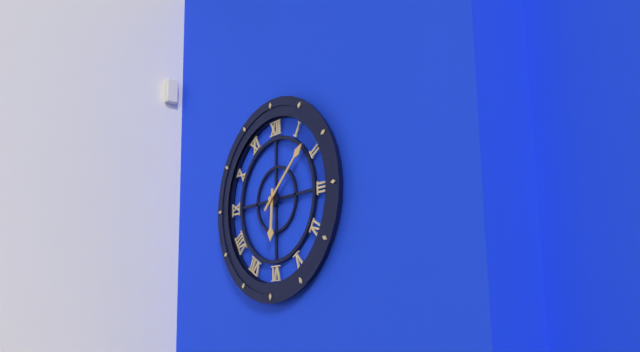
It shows 6h08
